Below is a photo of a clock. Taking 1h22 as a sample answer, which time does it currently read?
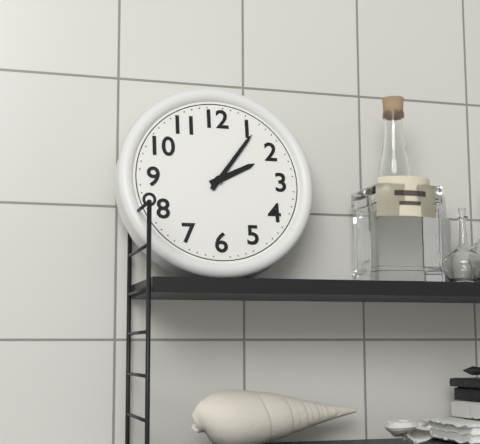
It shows 2h06
